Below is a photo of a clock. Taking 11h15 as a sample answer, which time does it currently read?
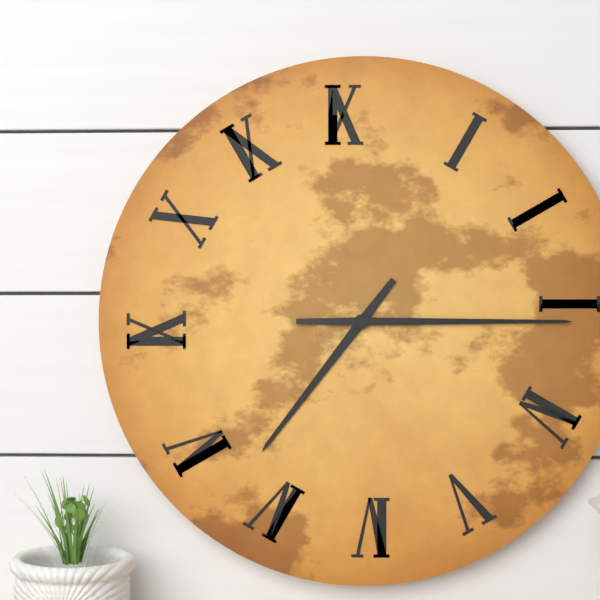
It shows 7h15
